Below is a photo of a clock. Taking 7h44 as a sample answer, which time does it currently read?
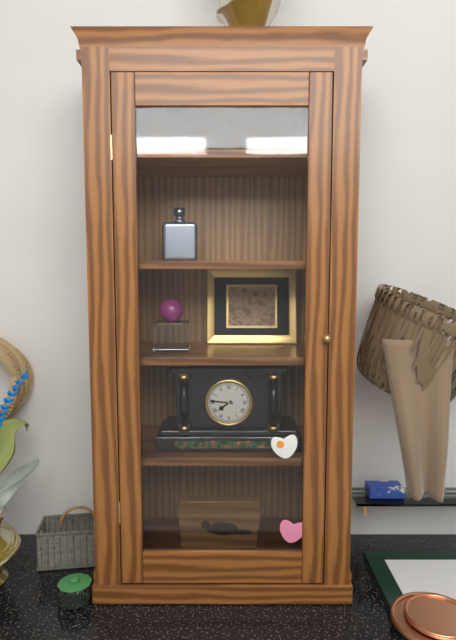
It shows 7h46
